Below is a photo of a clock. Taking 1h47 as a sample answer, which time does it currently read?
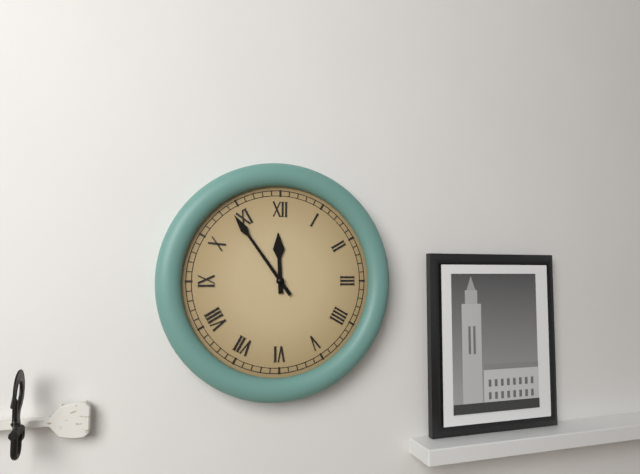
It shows 11h54
